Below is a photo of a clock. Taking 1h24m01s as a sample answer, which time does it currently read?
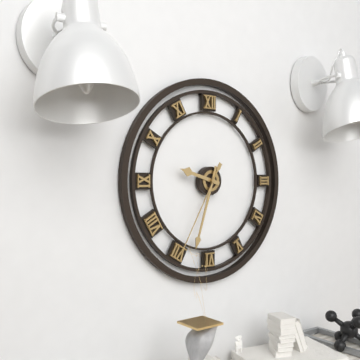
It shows 9h33m35s
